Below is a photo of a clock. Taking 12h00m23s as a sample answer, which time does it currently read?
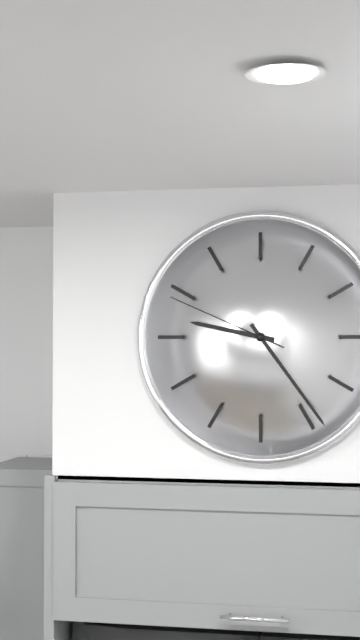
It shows 9h24m49s
